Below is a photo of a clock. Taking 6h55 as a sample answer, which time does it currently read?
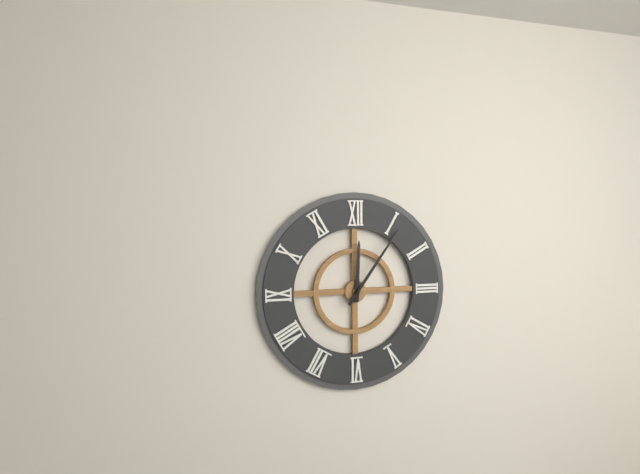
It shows 12h06
